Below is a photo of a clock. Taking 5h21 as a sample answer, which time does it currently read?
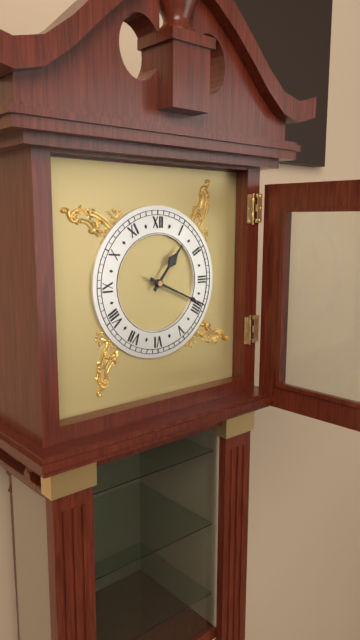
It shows 1h19
